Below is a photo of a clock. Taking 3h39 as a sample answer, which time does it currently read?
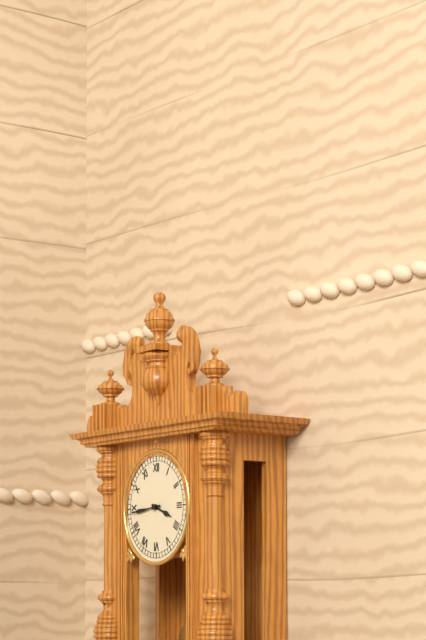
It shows 3h44
